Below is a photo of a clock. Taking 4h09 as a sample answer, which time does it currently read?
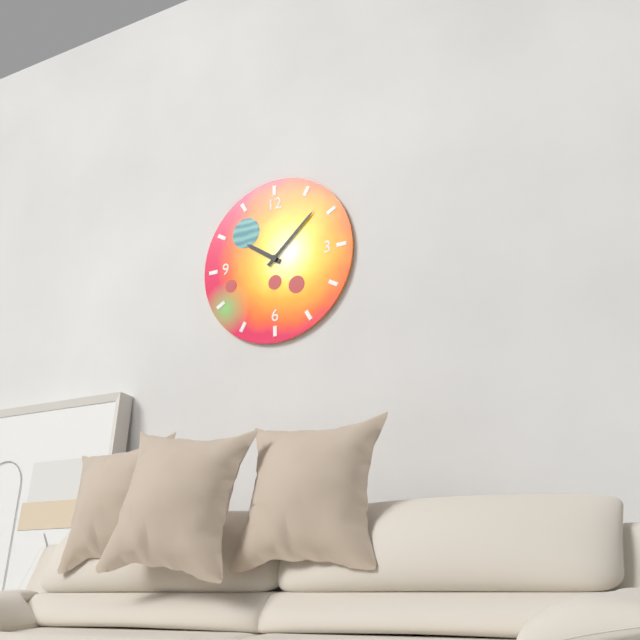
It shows 10h08
